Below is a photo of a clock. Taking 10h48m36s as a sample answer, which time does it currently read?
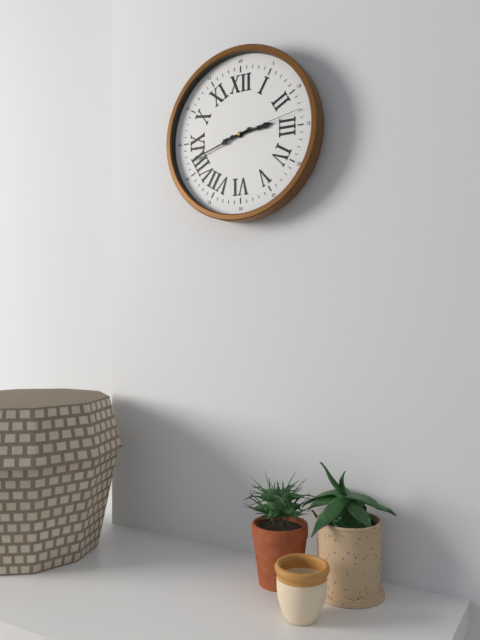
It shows 2h42m13s
